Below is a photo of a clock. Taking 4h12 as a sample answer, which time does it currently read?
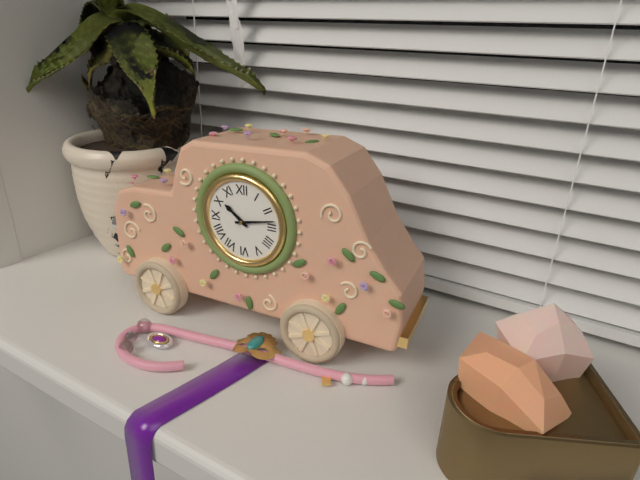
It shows 10h13
